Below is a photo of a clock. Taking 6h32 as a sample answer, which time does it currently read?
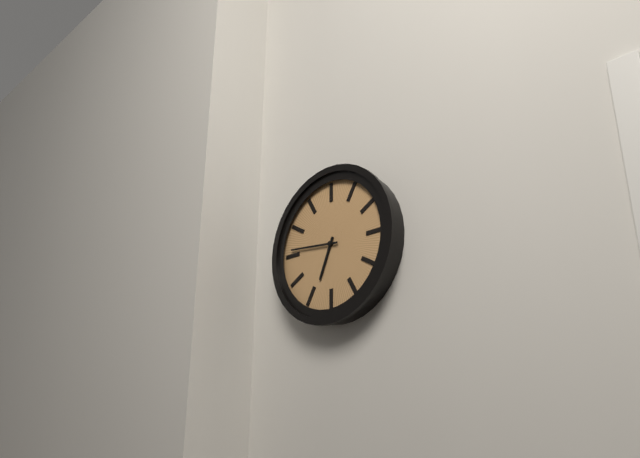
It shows 6h46
